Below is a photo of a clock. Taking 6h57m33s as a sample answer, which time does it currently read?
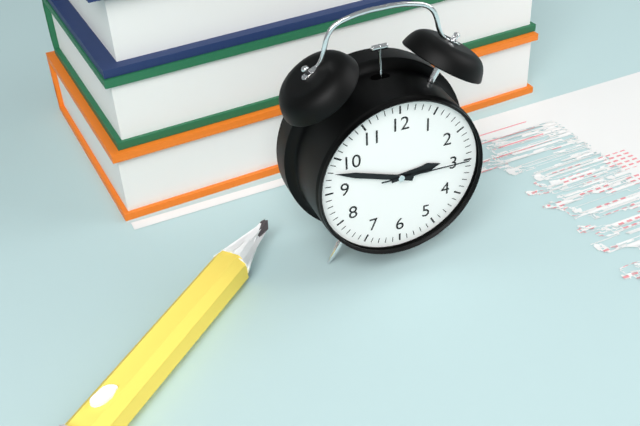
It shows 2h48m15s
